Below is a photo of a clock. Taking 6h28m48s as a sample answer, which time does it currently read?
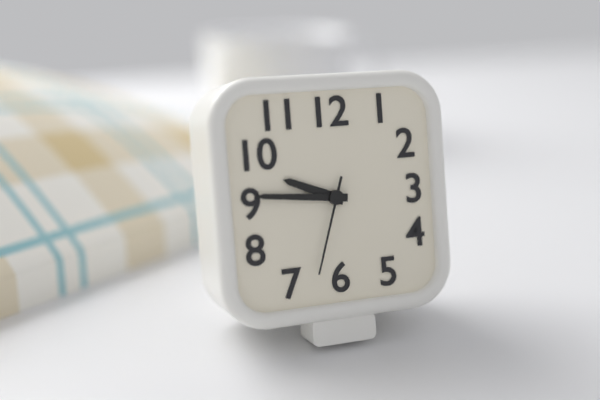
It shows 9h46m33s
